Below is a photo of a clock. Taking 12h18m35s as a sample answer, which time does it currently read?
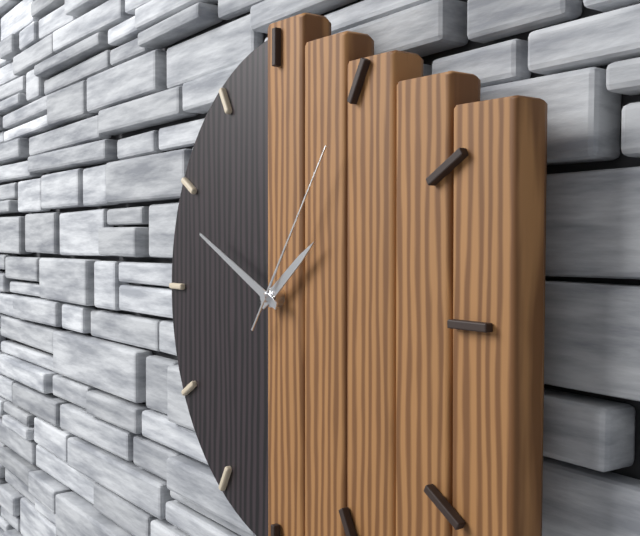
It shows 1h49m06s
